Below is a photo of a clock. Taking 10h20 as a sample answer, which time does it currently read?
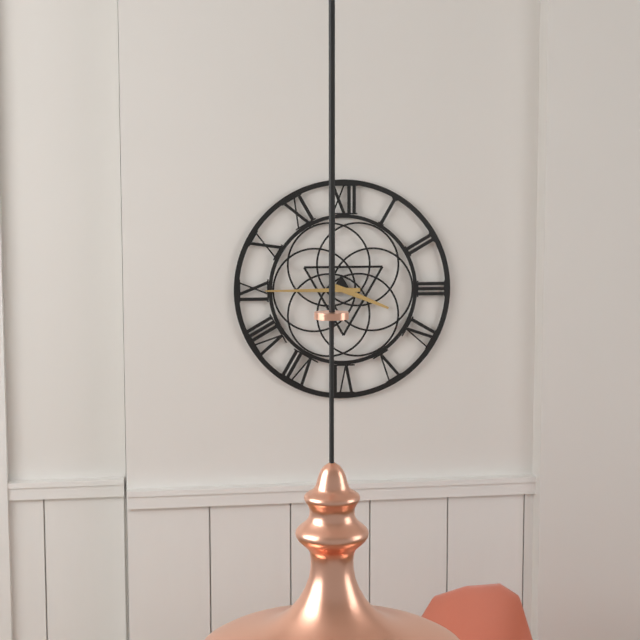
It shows 3h45
